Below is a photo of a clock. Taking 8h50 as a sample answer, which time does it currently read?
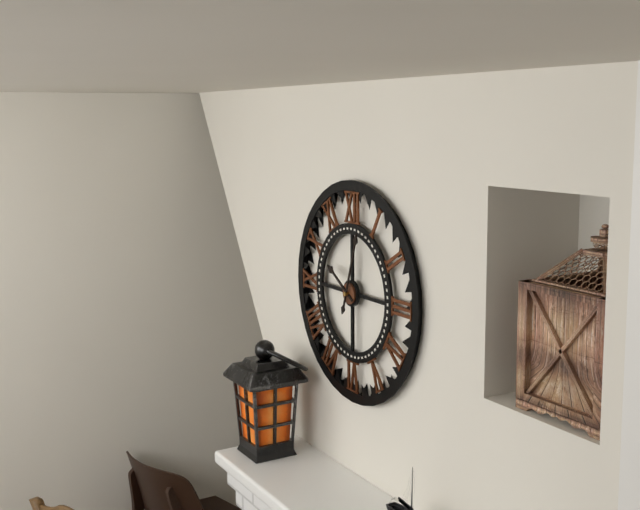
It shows 10h03
